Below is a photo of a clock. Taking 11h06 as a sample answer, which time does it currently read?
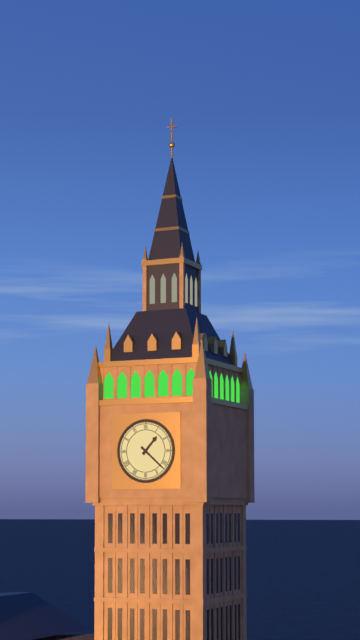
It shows 1h22
